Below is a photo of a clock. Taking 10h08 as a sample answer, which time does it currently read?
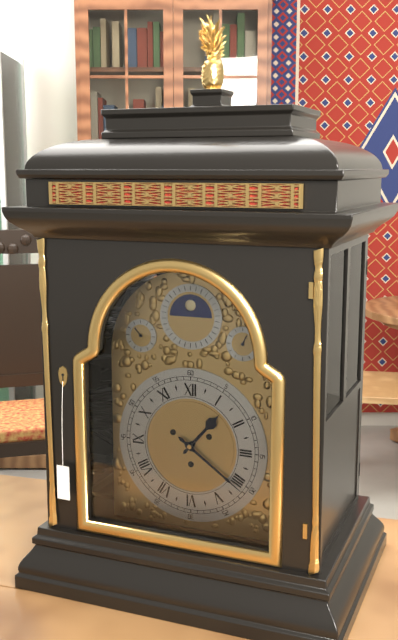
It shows 1h21
